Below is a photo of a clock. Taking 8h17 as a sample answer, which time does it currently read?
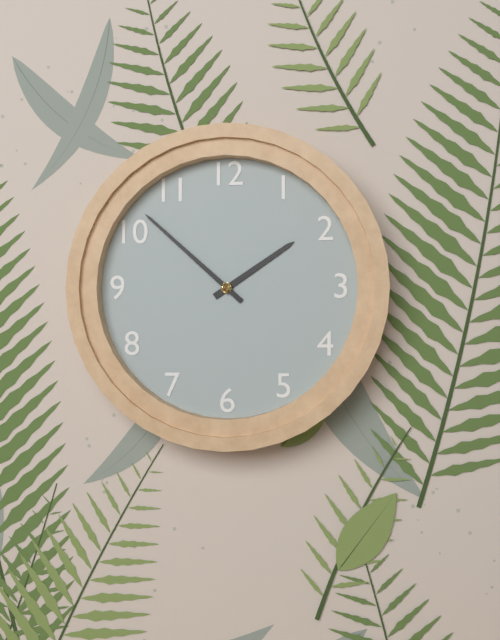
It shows 1h52
